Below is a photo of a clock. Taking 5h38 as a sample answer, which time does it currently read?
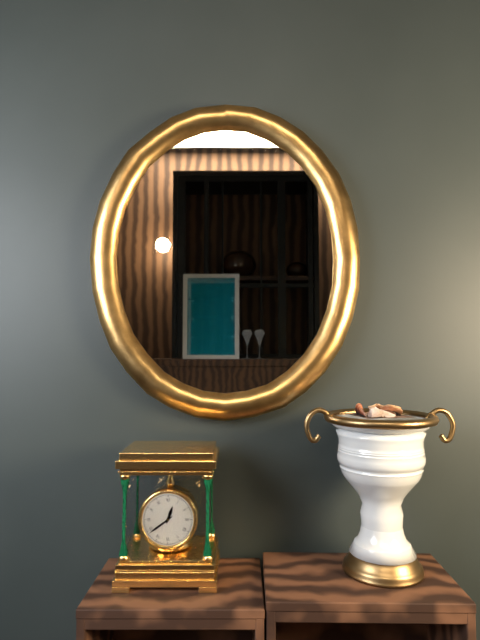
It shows 12h39
